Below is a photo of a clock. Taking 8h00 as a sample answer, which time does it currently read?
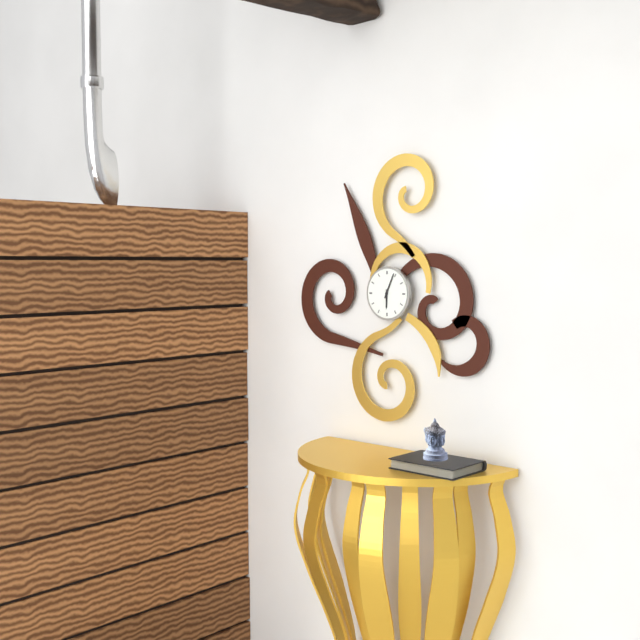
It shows 6h04
